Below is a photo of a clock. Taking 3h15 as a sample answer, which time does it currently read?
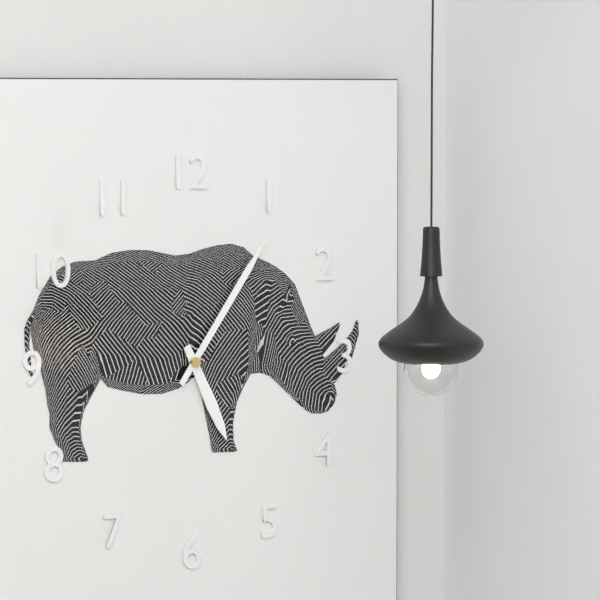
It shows 5h06
